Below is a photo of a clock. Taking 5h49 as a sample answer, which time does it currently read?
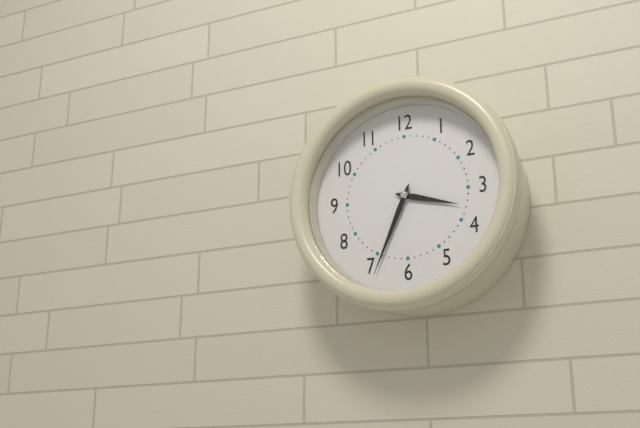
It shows 3h34
